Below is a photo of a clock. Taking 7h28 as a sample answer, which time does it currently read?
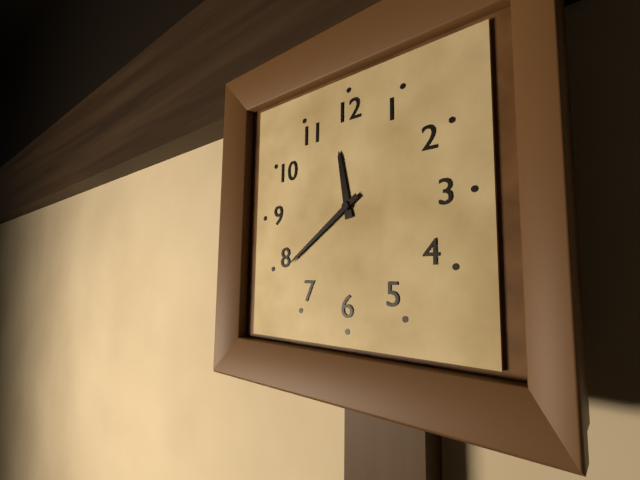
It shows 11h39
